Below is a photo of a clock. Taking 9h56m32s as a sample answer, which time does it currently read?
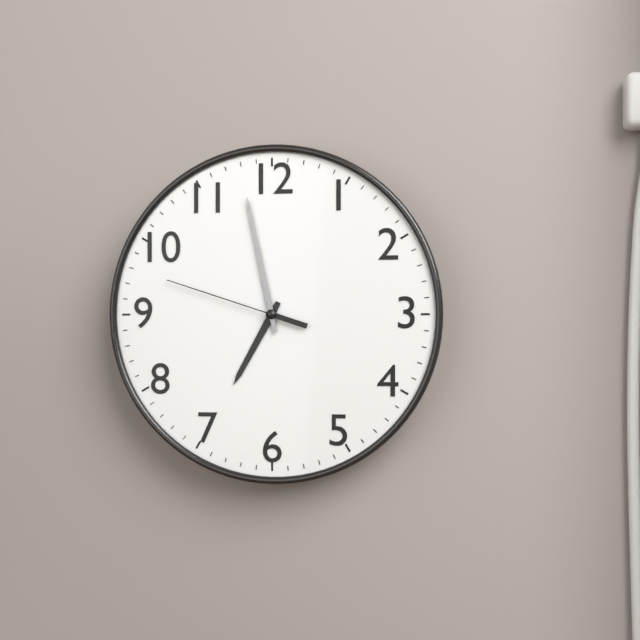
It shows 6h58m48s
